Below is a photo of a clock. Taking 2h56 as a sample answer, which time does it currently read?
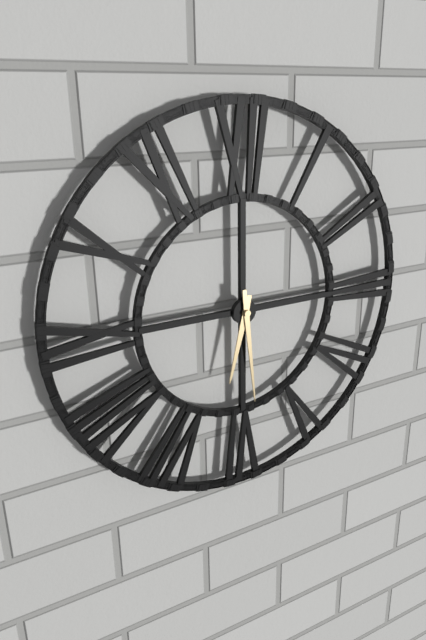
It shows 6h29
